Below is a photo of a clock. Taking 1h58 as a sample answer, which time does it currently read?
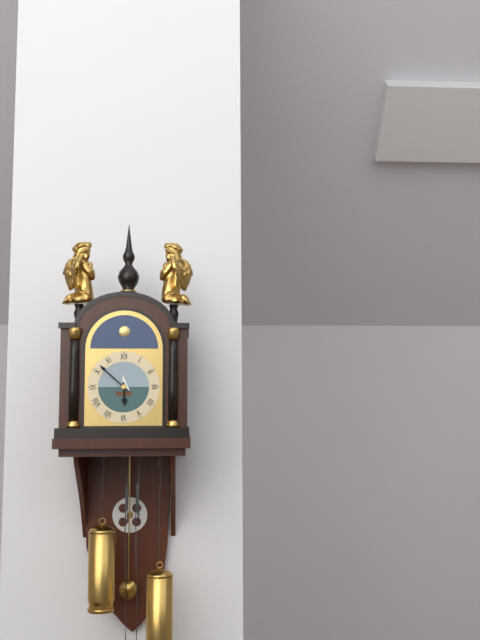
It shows 5h52
